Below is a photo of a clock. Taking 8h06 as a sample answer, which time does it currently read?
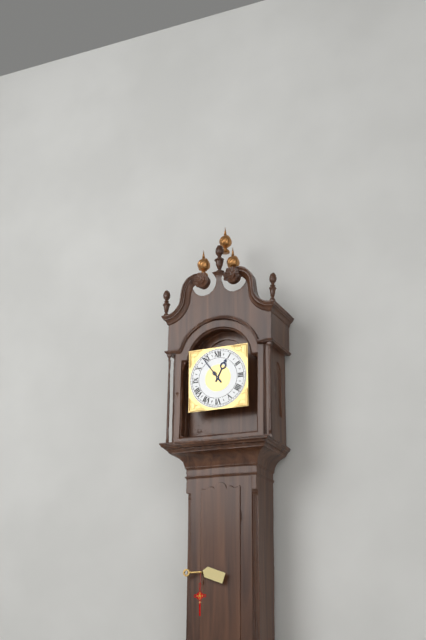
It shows 12h54
